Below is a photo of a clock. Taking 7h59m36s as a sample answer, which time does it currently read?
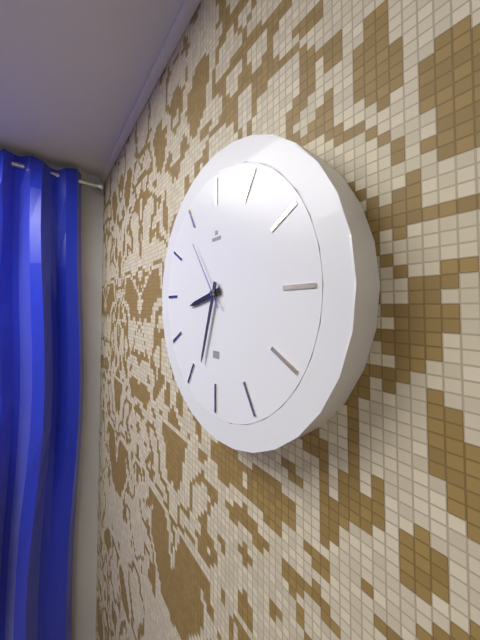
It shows 8h33m54s
